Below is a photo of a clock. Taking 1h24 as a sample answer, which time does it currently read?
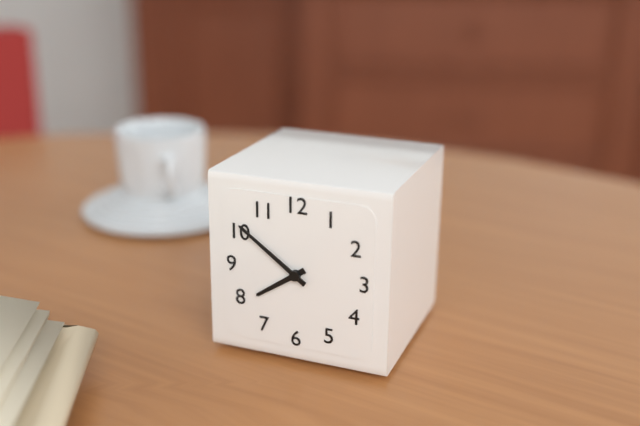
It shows 7h51
